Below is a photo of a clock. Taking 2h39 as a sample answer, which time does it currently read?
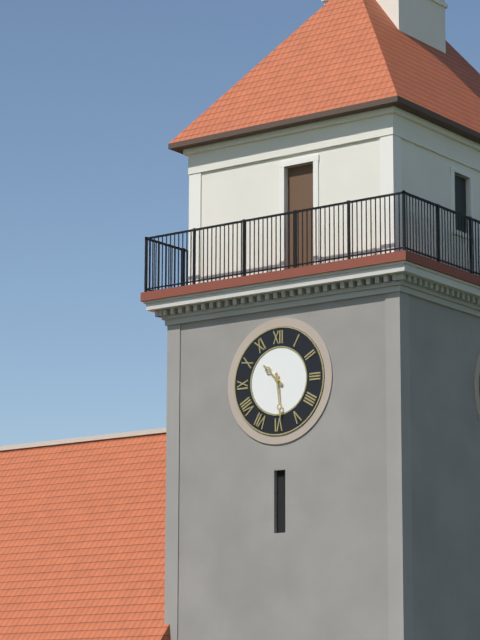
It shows 10h29
